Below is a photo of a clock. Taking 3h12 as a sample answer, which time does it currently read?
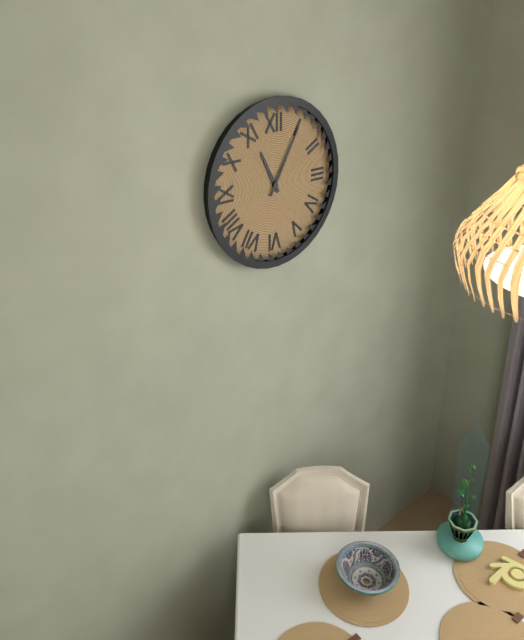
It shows 11h05
